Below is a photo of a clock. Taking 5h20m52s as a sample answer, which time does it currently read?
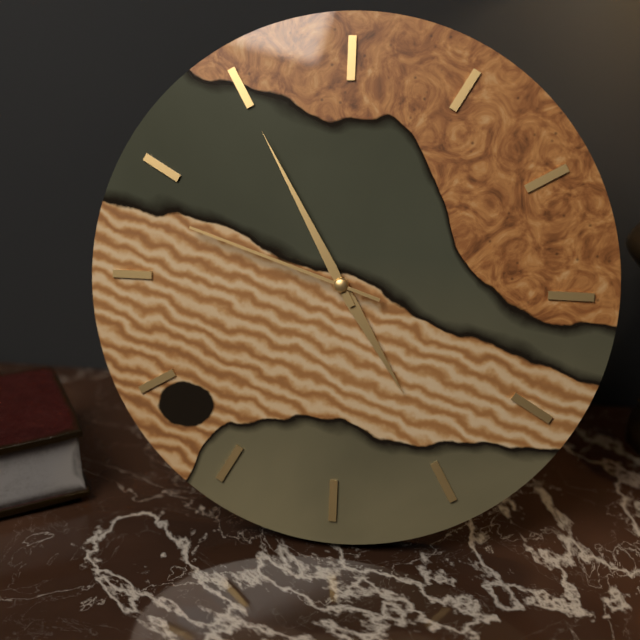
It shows 4h55m48s
